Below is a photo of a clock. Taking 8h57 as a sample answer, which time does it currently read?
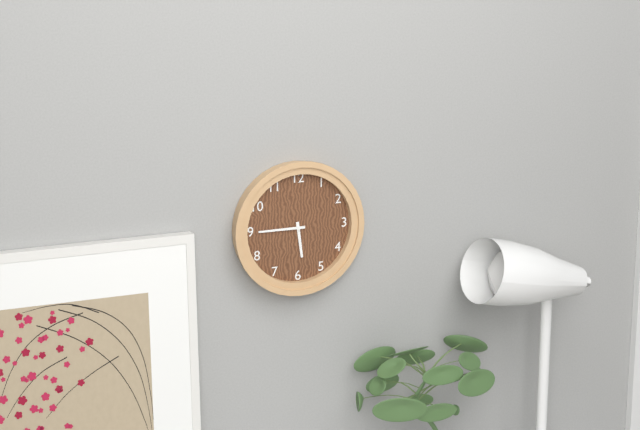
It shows 5h45
